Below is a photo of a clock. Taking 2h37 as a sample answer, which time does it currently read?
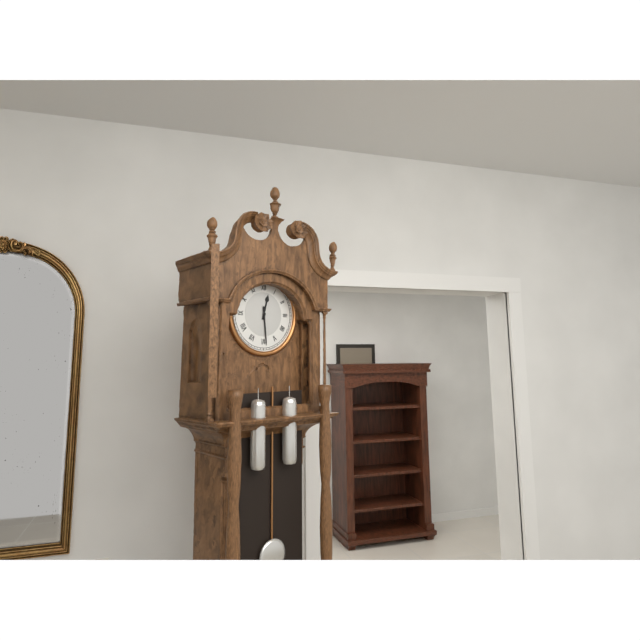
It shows 12h29
